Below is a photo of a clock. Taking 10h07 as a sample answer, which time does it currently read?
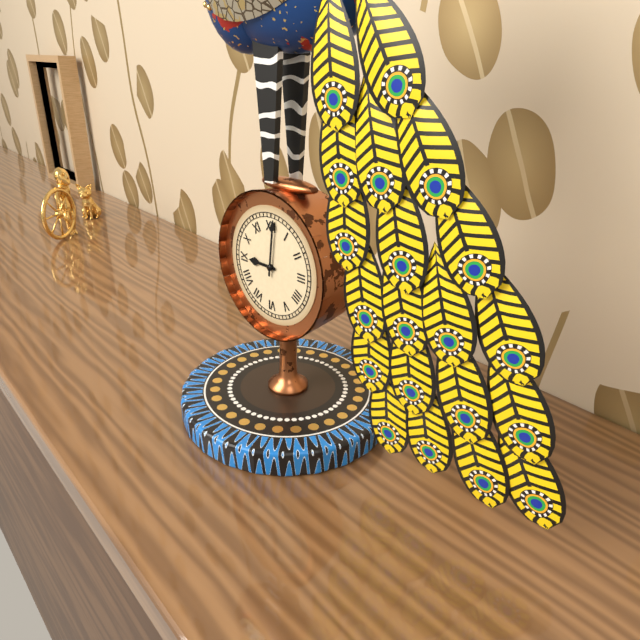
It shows 9h01
